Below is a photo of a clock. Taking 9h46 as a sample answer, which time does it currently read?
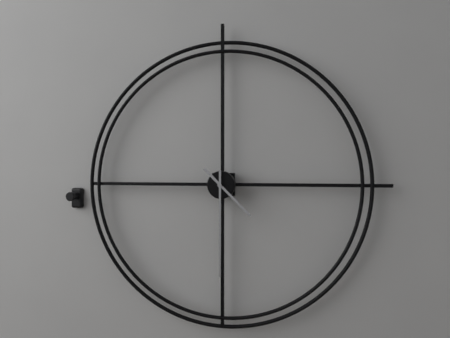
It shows 4h30
